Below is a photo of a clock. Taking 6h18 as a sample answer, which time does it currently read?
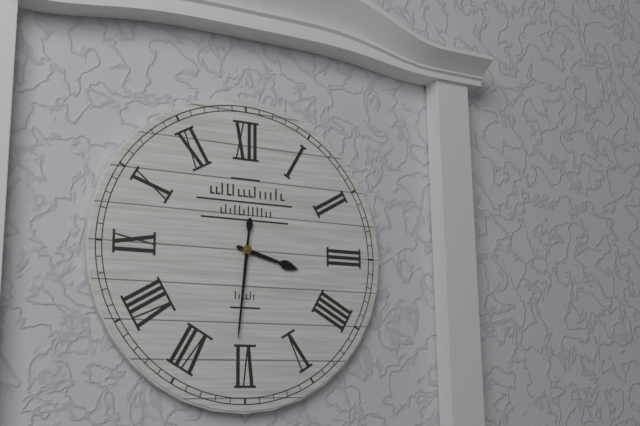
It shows 3h31
